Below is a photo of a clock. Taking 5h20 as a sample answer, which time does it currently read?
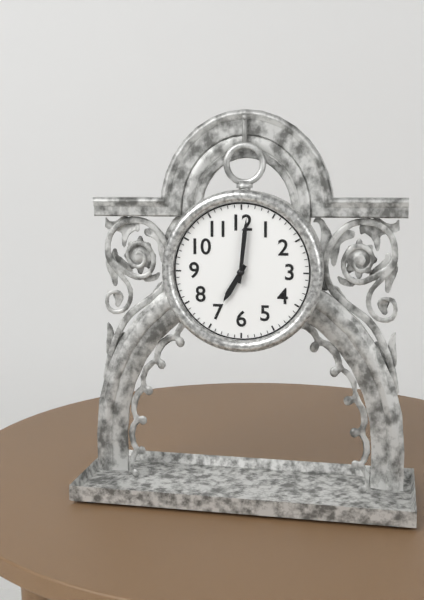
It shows 7h01
